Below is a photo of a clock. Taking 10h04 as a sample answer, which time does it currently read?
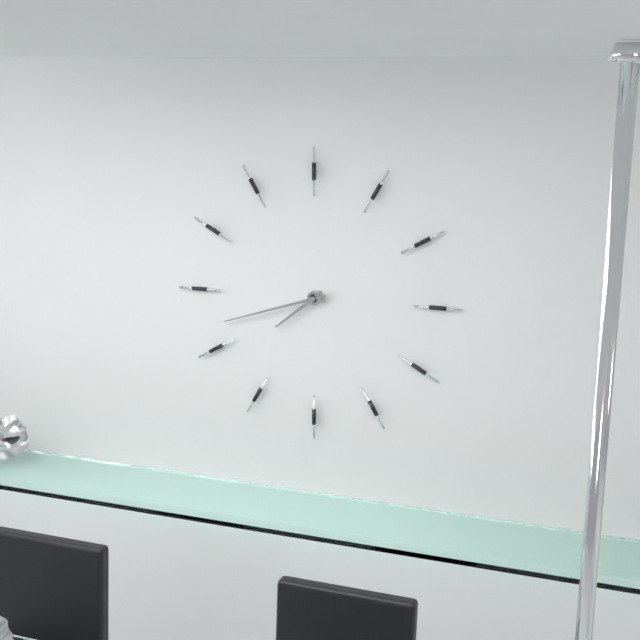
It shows 7h42
